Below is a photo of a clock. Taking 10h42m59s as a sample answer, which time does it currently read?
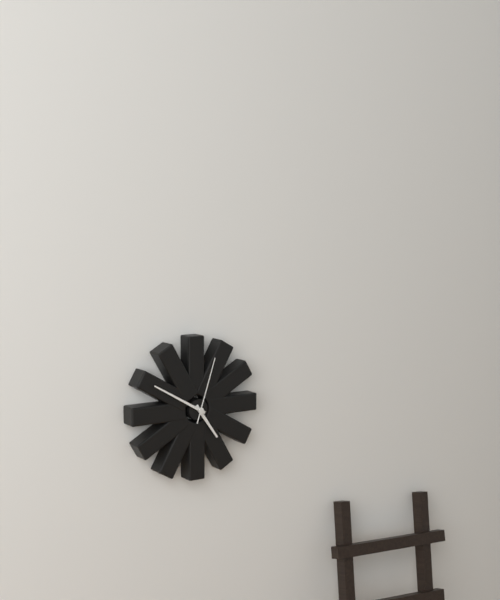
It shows 4h50m03s
